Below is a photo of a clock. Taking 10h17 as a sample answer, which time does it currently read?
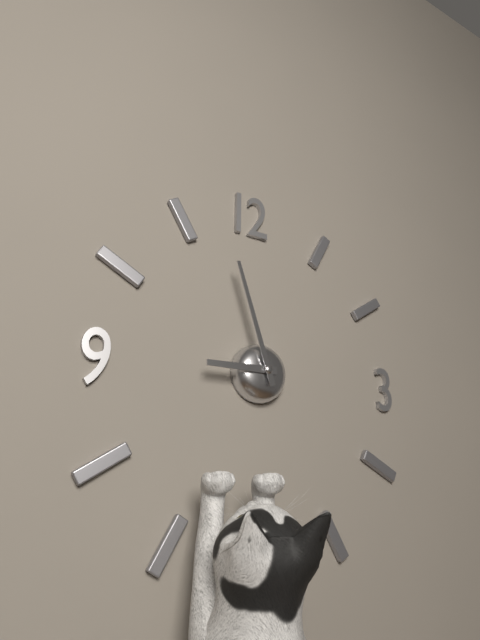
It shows 8h57
